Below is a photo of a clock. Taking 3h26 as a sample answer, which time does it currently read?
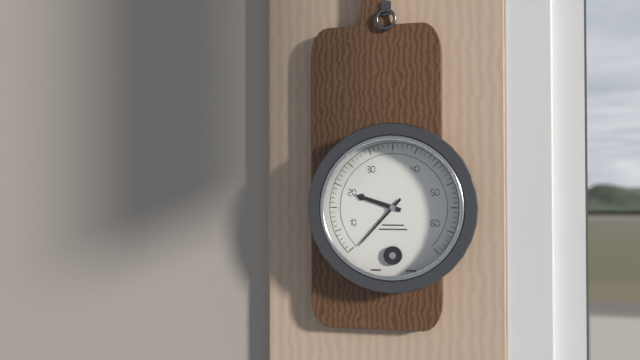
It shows 9h37
